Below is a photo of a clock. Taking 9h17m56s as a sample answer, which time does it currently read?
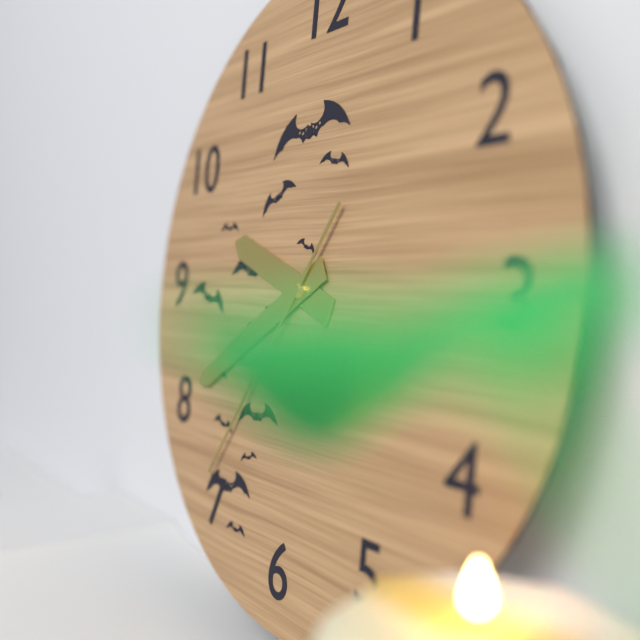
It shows 9h40m36s
